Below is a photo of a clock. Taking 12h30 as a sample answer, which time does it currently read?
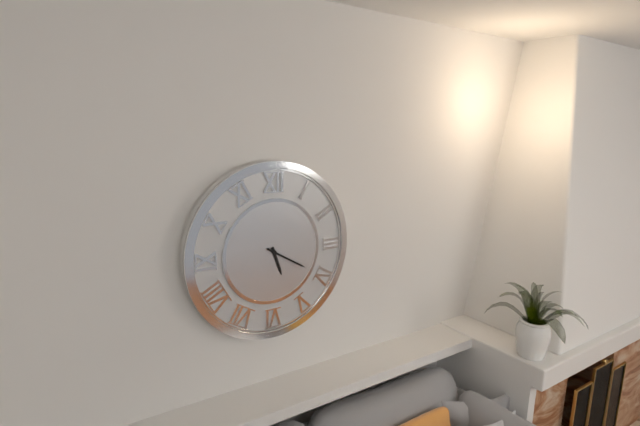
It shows 5h20
